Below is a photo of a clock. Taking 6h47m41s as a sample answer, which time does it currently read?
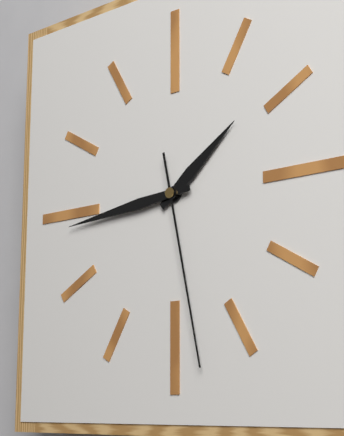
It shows 1h44m28s
